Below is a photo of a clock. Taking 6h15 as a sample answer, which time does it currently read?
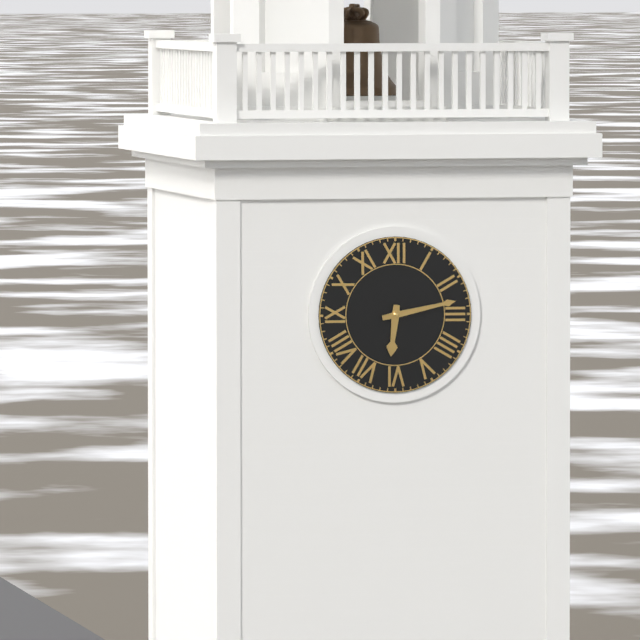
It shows 6h13
